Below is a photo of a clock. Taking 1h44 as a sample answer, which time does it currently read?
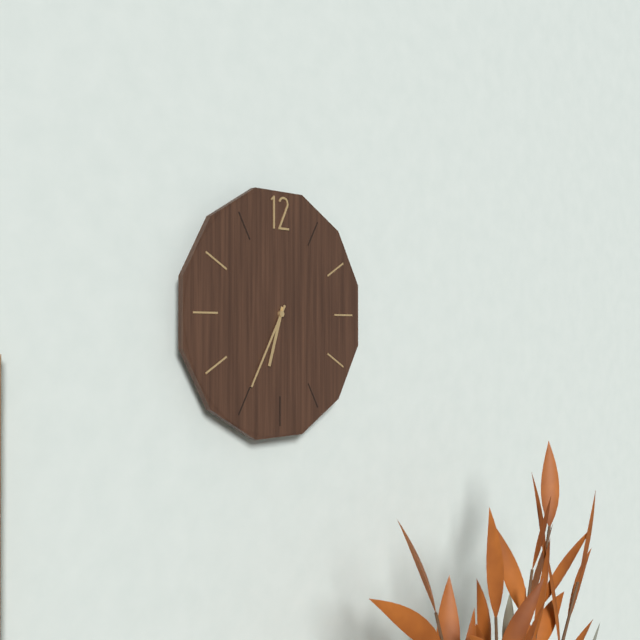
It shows 6h35
